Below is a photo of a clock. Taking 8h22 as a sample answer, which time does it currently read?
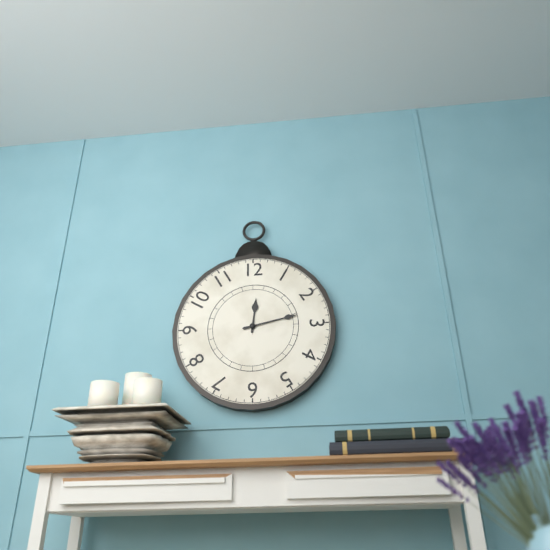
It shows 12h13
